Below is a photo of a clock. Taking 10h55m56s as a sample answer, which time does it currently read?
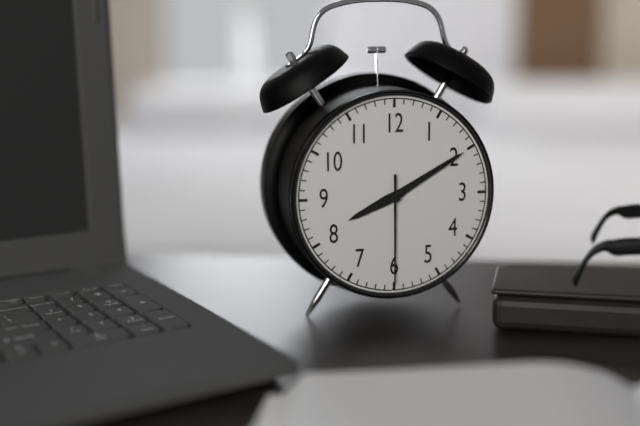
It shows 8h10m30s
